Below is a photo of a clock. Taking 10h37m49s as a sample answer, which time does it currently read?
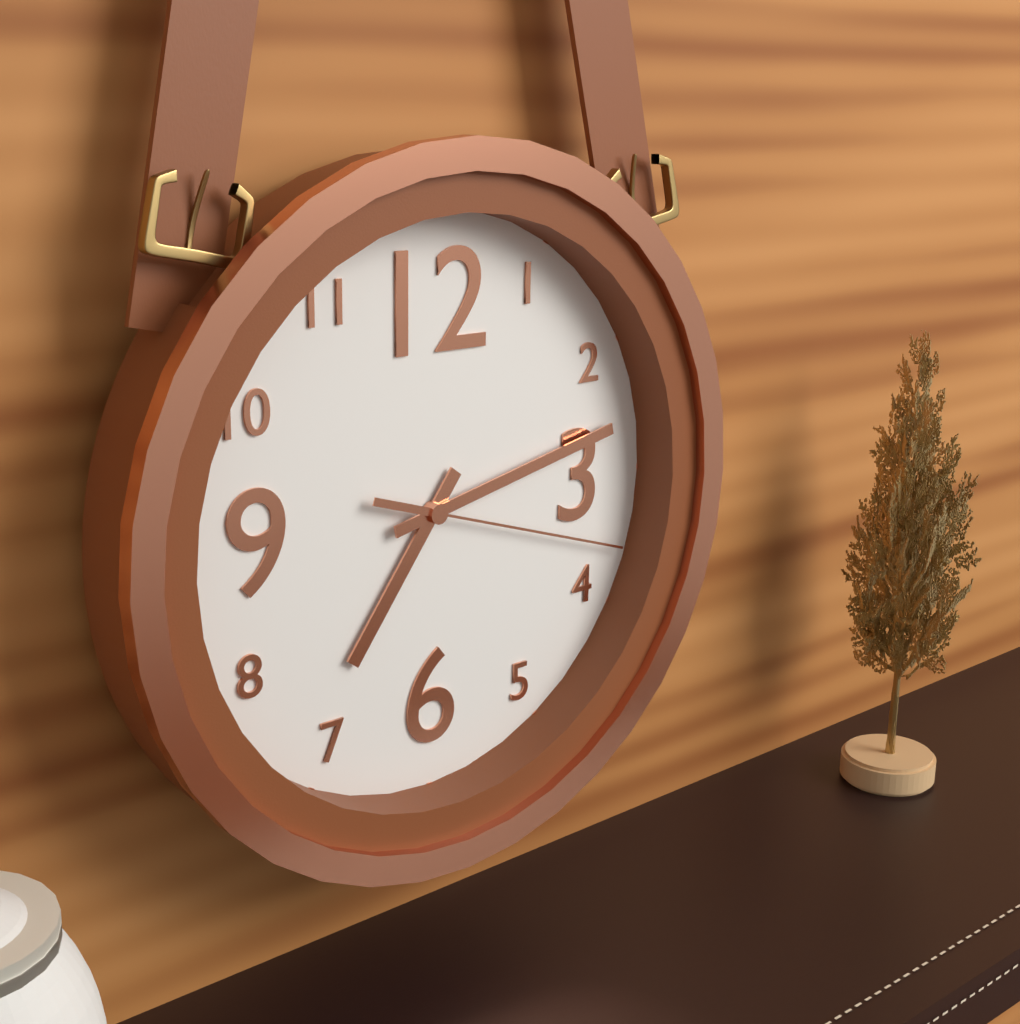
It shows 7h13m18s
